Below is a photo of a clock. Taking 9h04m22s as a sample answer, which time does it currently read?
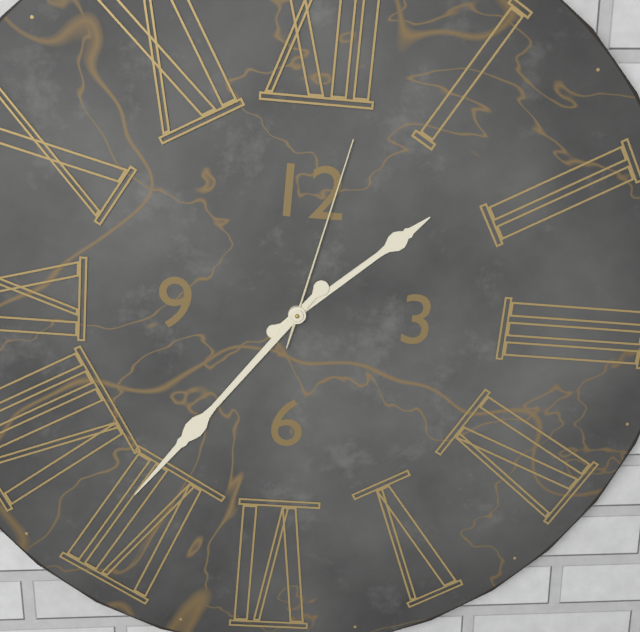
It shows 1h36m02s
